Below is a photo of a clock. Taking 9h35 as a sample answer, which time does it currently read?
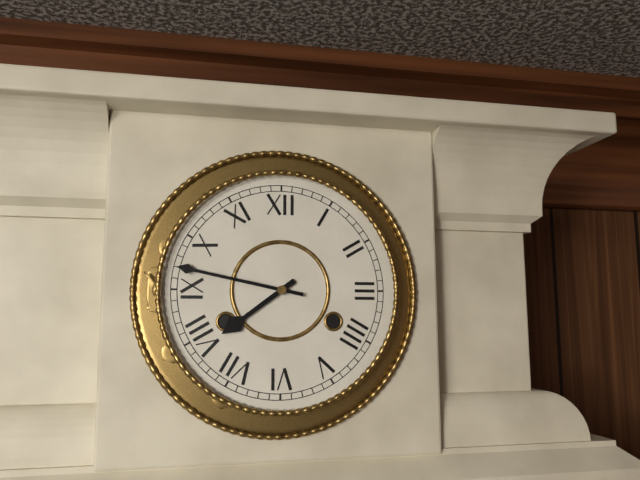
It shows 7h47
